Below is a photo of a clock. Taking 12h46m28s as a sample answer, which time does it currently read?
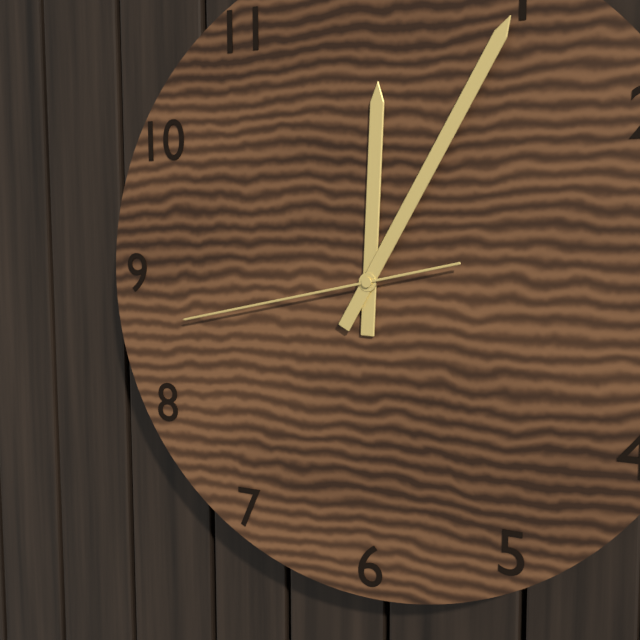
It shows 12h05m43s
